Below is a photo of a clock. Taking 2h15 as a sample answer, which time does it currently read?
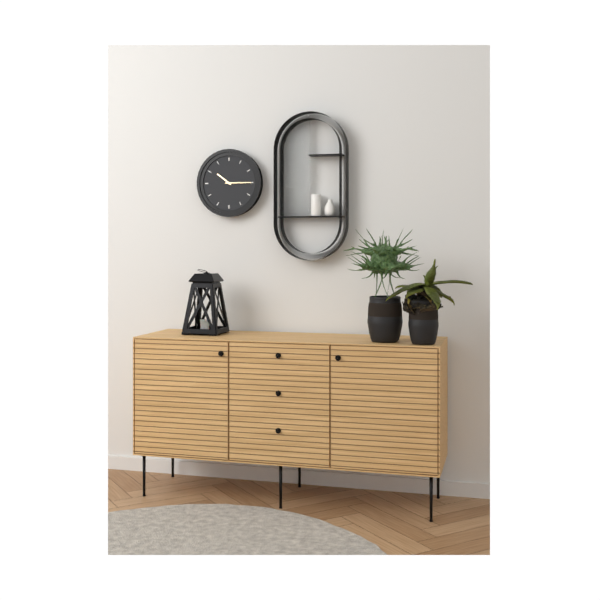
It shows 10h15
